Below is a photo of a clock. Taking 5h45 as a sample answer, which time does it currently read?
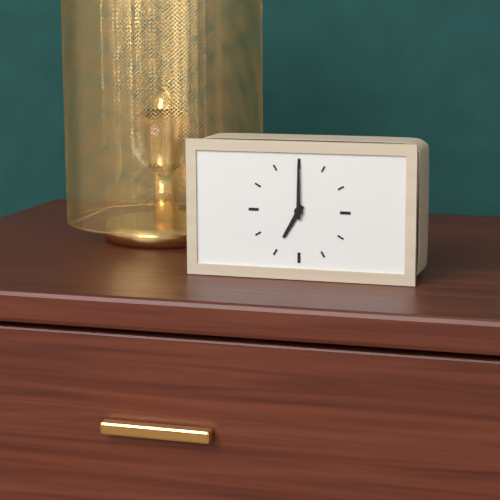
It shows 7h00
